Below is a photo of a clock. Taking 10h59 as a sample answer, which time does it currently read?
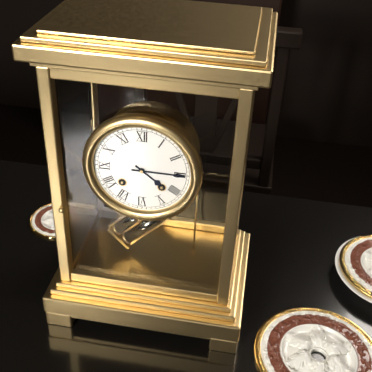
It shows 4h15
